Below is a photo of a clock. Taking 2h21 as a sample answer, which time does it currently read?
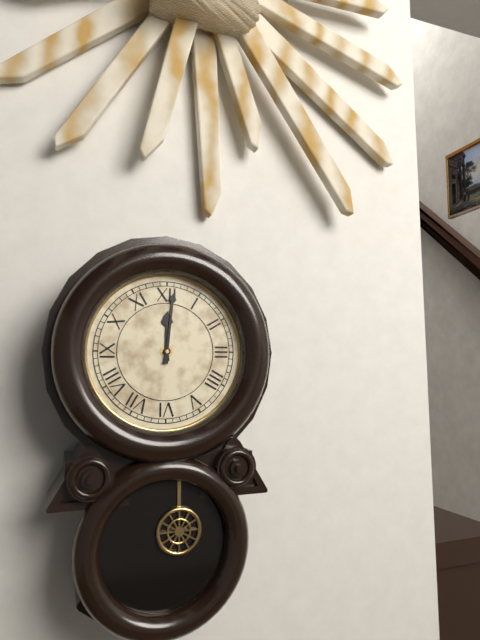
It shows 12h01
